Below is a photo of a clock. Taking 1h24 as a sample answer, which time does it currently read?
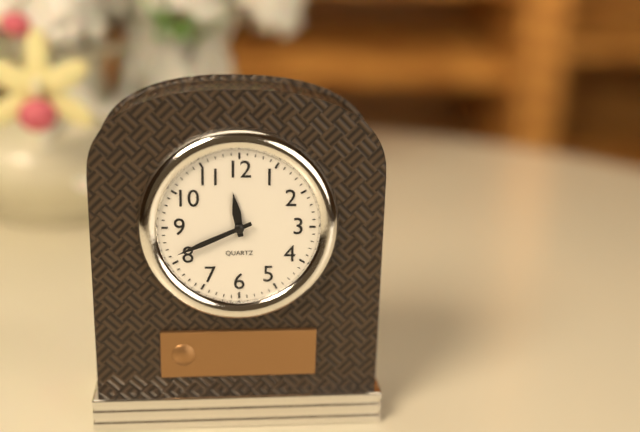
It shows 11h41
